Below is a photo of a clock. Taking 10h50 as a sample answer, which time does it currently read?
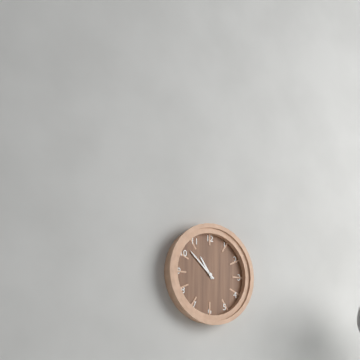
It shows 10h52
